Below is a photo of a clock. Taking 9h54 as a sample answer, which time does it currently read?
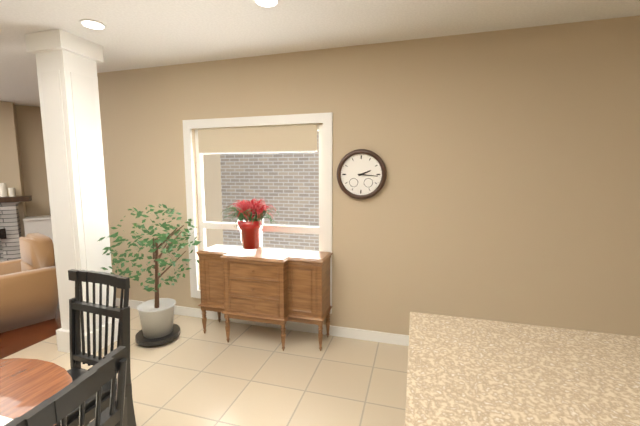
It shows 2h16
